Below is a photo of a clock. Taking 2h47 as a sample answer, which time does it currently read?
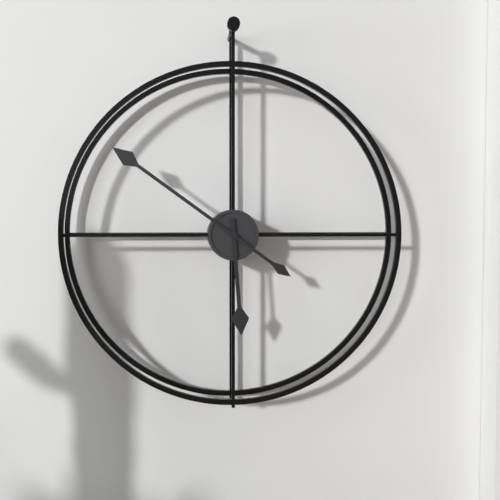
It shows 5h51
